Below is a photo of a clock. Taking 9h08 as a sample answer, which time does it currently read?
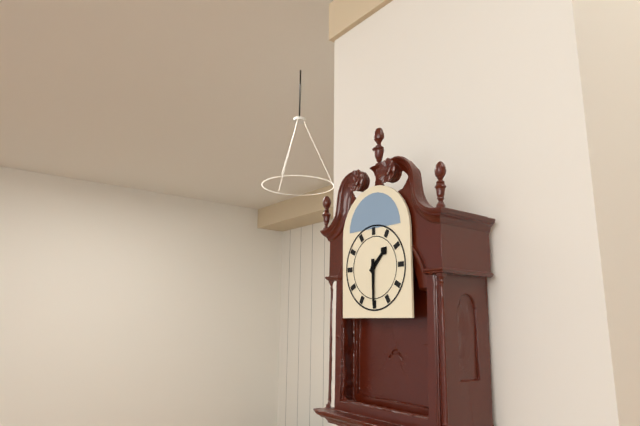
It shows 1h30
